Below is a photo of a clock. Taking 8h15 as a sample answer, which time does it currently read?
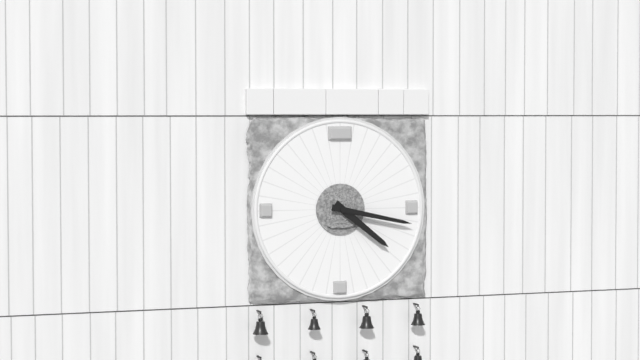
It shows 4h17
